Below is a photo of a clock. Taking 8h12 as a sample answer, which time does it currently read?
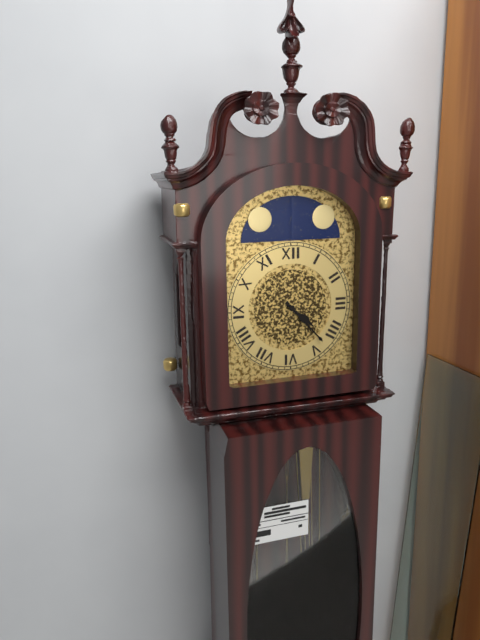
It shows 4h23
